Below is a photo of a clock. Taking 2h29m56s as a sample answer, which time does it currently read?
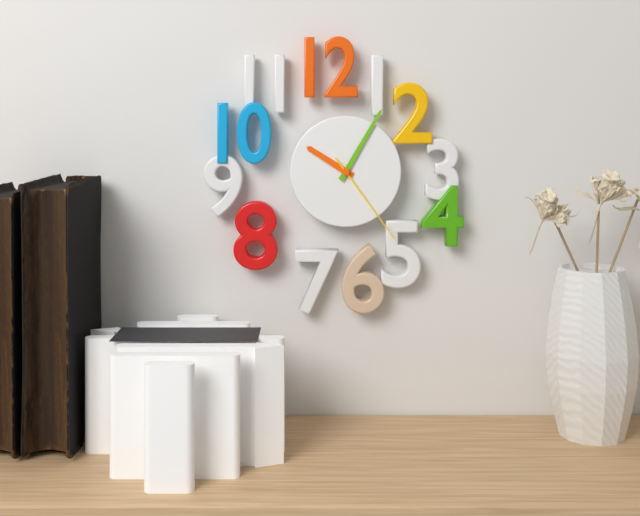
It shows 10h05m24s
